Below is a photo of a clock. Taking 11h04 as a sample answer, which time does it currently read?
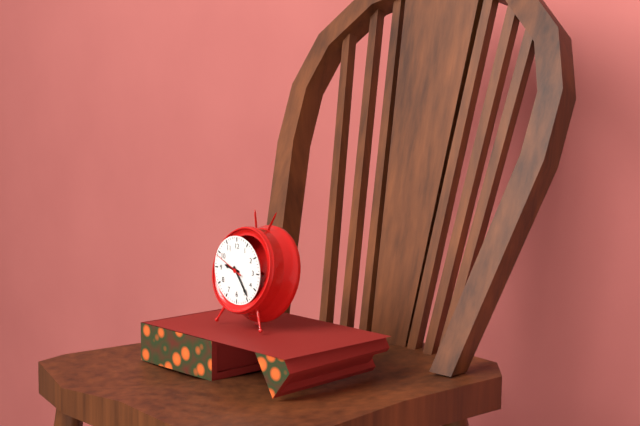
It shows 9h24
